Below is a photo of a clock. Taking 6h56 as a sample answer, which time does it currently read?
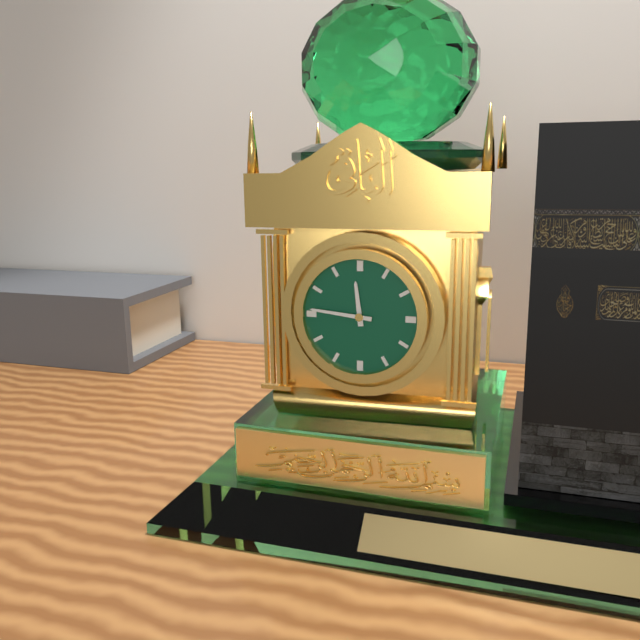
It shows 11h46
